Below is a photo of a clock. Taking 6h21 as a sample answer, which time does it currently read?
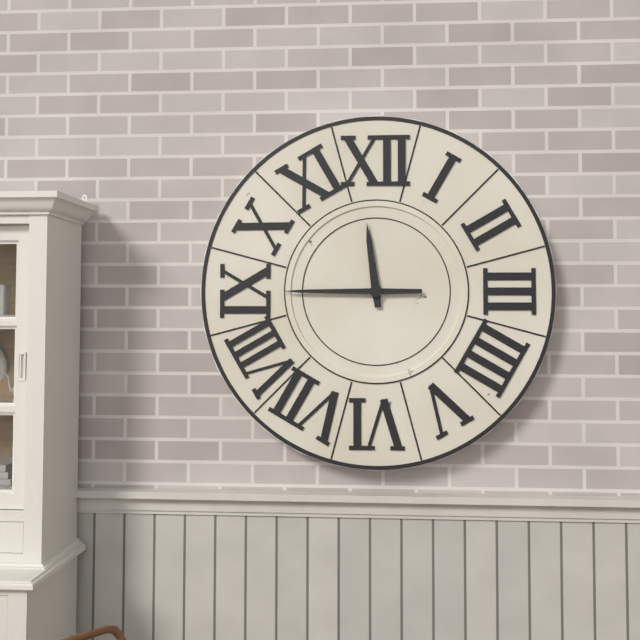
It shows 11h45
